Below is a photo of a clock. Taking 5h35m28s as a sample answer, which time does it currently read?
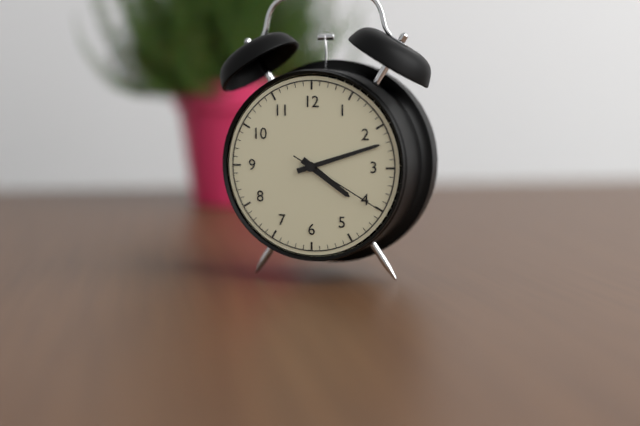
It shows 4h12m20s
